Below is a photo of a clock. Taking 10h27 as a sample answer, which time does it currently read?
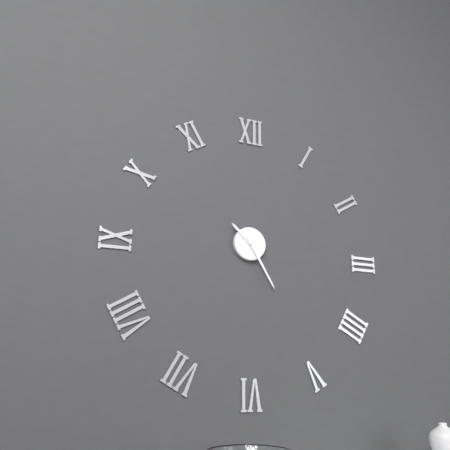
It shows 10h25
